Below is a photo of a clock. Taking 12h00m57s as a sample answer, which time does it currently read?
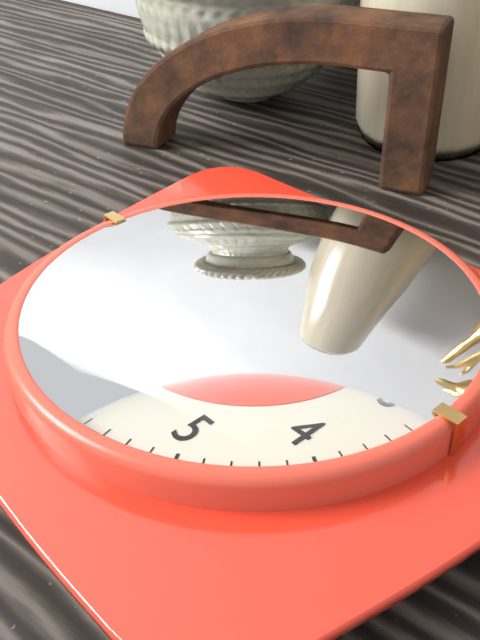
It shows 10h50m08s
